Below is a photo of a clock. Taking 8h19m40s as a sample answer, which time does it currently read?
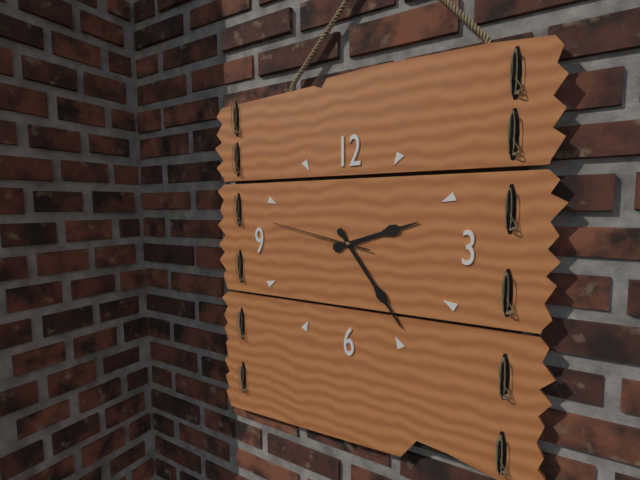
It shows 2h24m47s
